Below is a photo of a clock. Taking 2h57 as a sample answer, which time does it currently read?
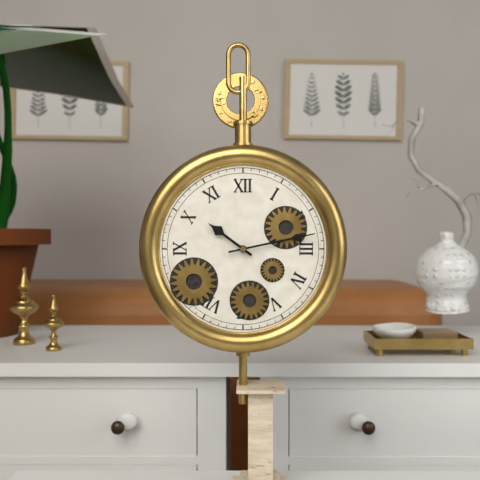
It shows 10h13
